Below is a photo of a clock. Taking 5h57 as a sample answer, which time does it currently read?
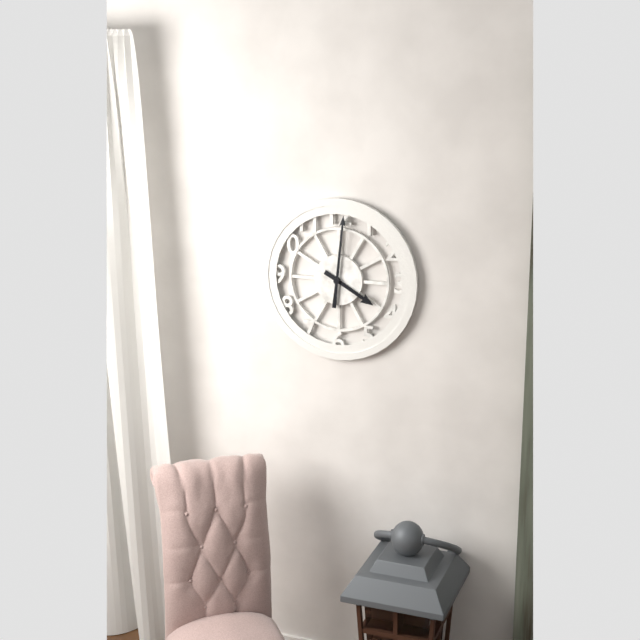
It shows 4h01
